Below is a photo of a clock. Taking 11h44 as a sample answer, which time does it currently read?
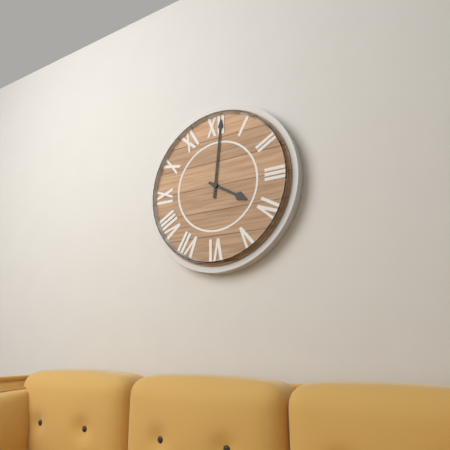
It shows 4h01
